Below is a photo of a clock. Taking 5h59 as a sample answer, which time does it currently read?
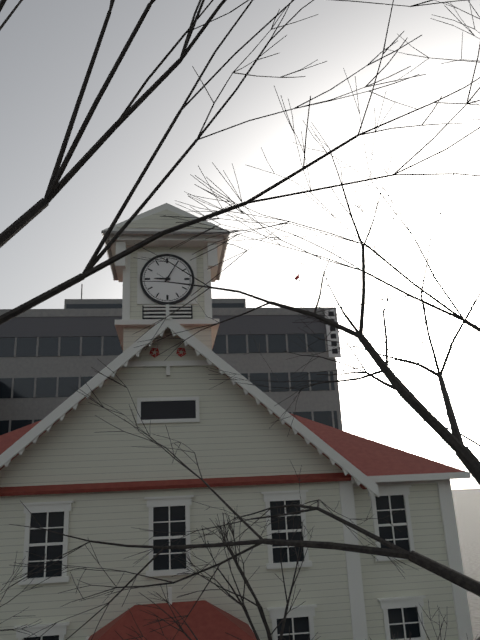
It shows 9h05
